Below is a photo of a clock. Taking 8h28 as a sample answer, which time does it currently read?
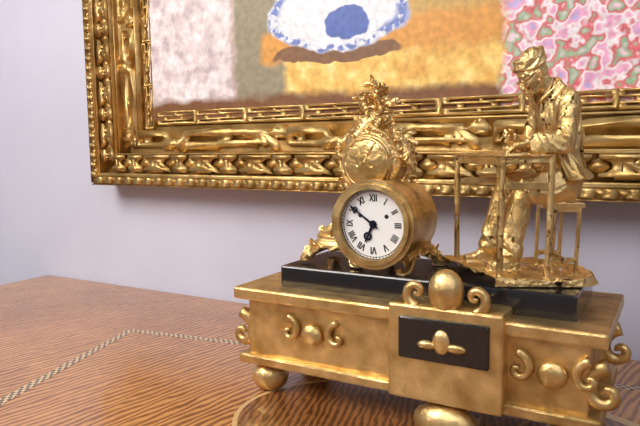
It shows 6h51
